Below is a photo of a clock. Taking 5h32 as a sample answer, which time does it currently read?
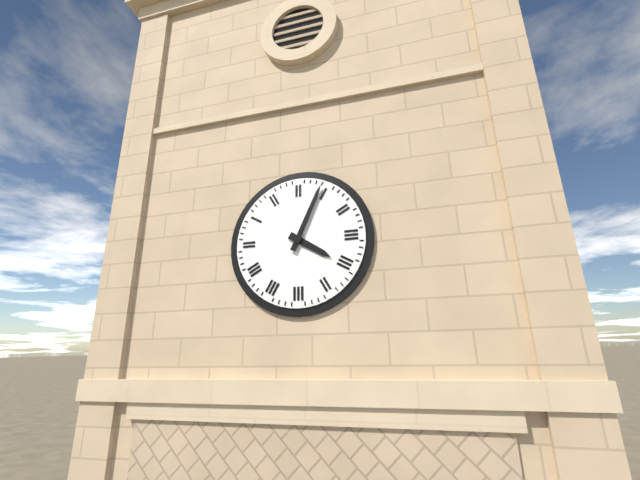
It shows 4h04
